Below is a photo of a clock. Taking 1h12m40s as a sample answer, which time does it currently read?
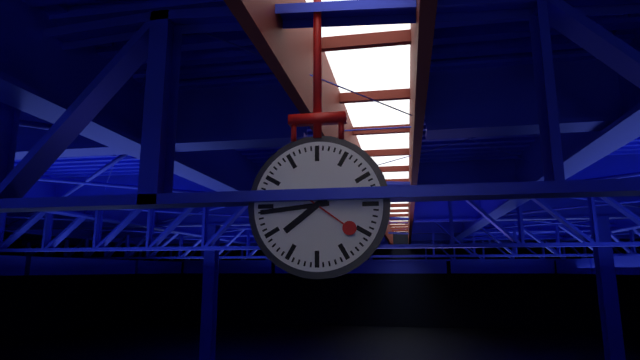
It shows 7h44m21s
